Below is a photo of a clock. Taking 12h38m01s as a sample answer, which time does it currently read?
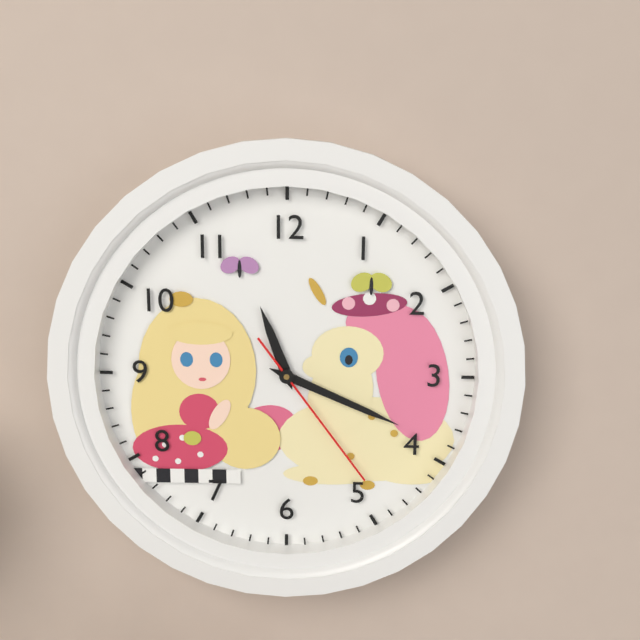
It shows 11h19m24s
